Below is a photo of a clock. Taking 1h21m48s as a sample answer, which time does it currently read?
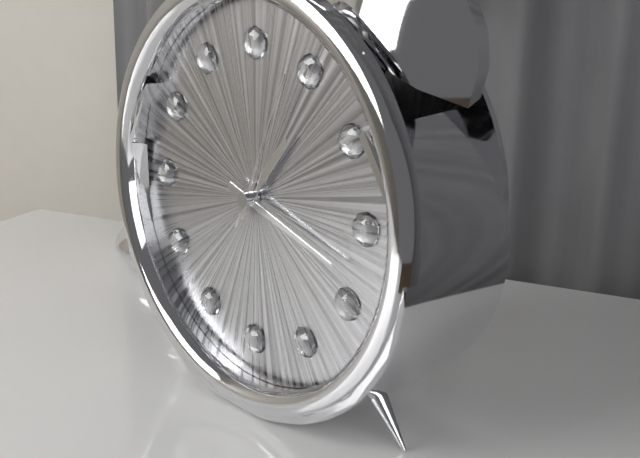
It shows 1h18m04s
